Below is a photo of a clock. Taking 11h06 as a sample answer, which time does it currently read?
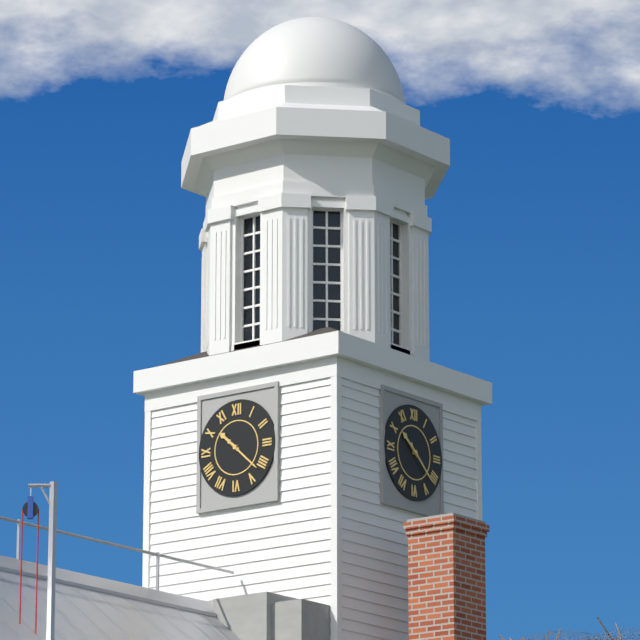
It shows 10h22
